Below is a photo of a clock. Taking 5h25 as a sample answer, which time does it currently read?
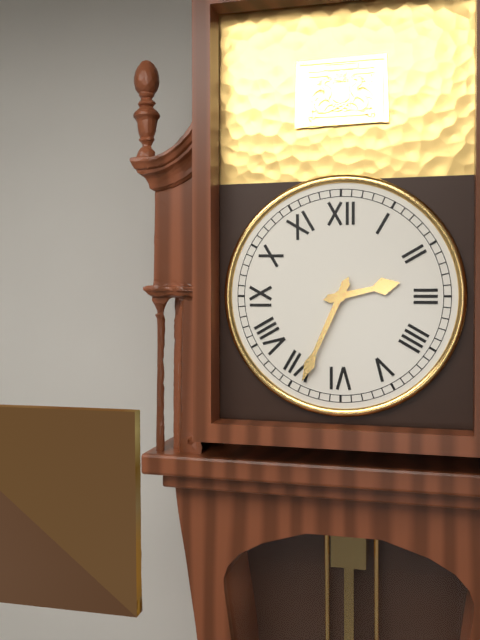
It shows 2h34
